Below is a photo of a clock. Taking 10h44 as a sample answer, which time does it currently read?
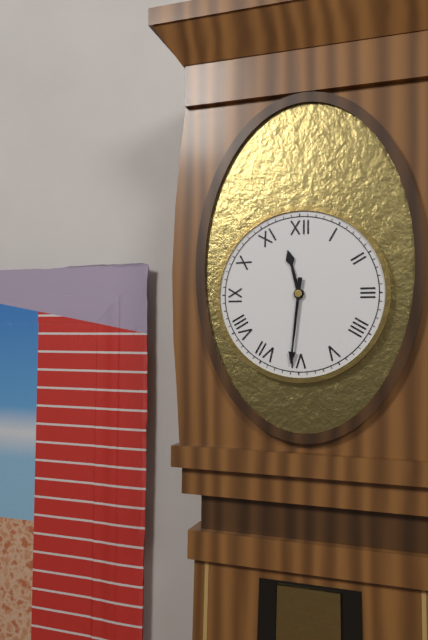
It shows 11h31
